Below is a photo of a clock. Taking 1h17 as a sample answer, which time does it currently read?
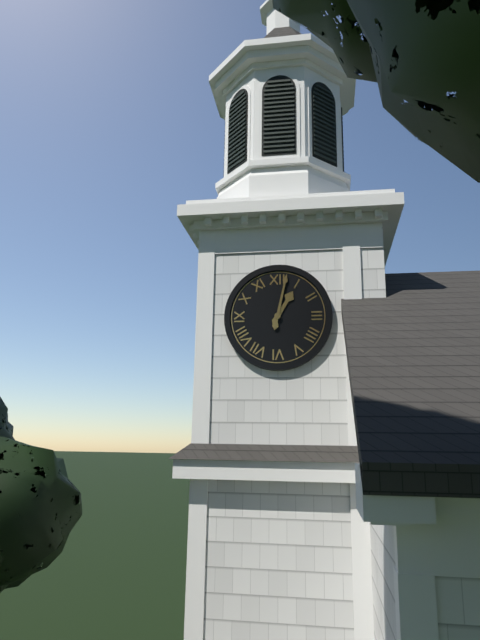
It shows 1h02
